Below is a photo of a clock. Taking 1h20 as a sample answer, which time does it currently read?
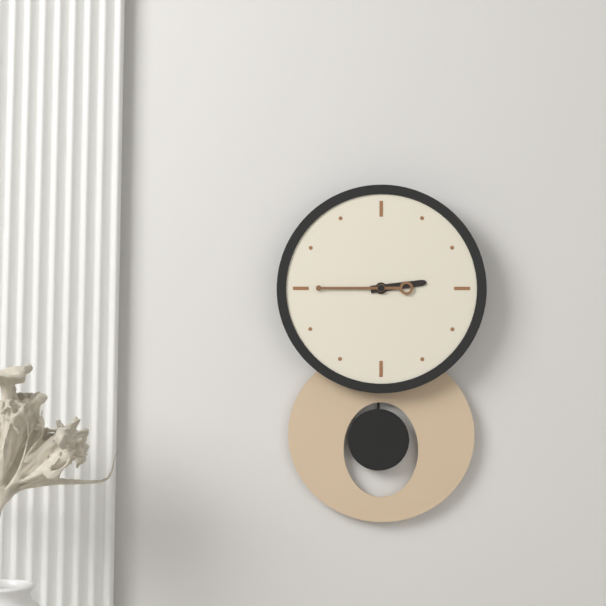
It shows 2h45
